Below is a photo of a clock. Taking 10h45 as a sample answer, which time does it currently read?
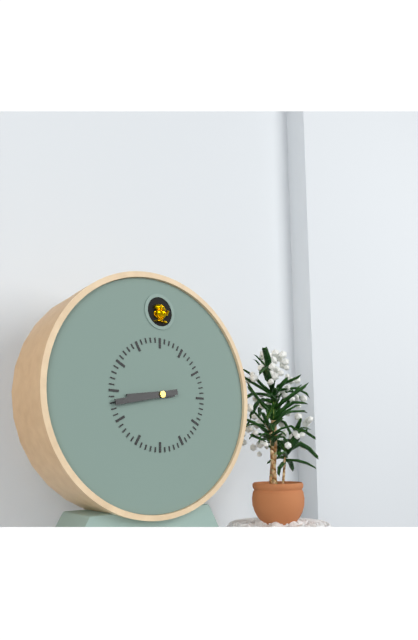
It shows 8h43
